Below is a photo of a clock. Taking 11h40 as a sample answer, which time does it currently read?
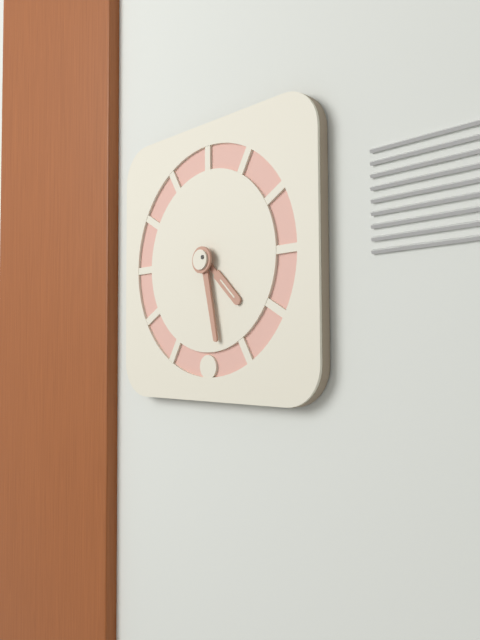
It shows 4h28
